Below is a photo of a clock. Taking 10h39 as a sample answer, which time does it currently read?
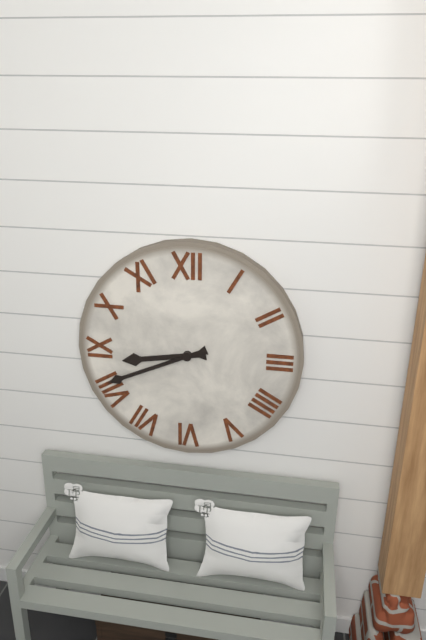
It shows 8h41
